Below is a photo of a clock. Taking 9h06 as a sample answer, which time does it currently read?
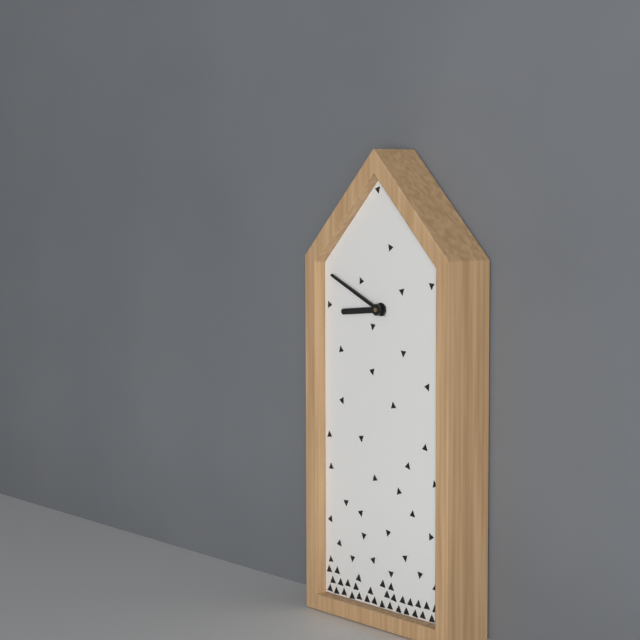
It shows 8h49
